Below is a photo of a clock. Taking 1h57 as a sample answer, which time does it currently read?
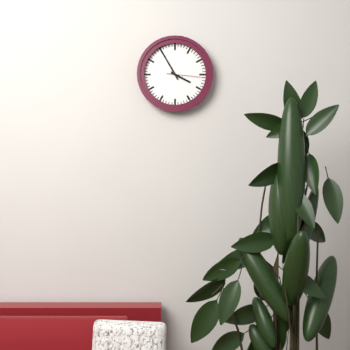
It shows 3h55
